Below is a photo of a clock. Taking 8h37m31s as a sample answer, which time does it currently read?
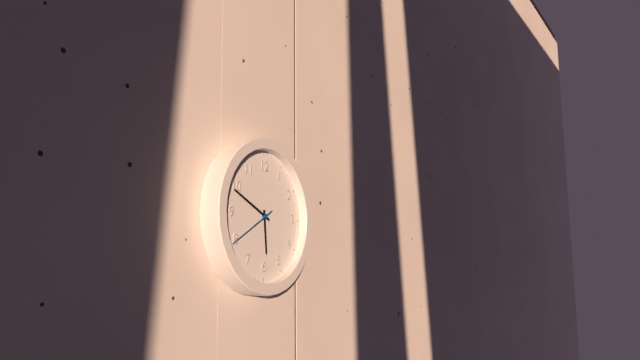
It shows 5h49m40s
